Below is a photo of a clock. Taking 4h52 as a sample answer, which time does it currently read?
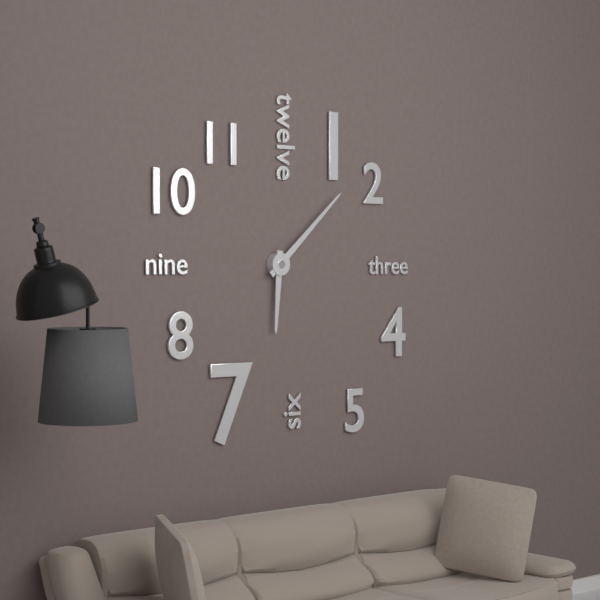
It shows 6h08
